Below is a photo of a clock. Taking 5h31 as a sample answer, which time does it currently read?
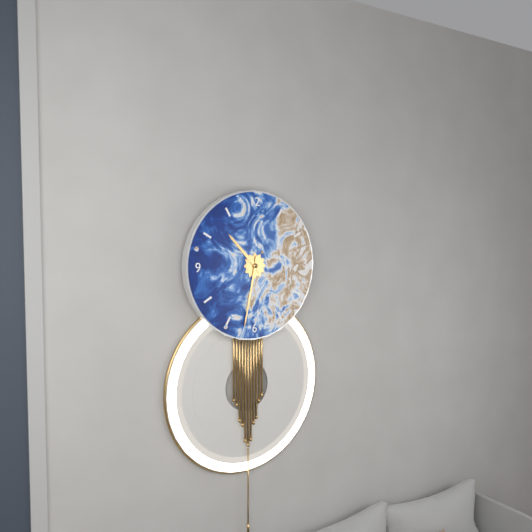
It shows 10h32
